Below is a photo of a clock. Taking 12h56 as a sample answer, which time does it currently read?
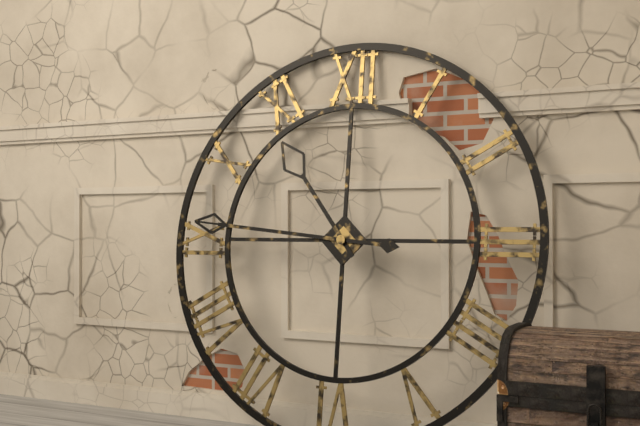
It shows 10h46
